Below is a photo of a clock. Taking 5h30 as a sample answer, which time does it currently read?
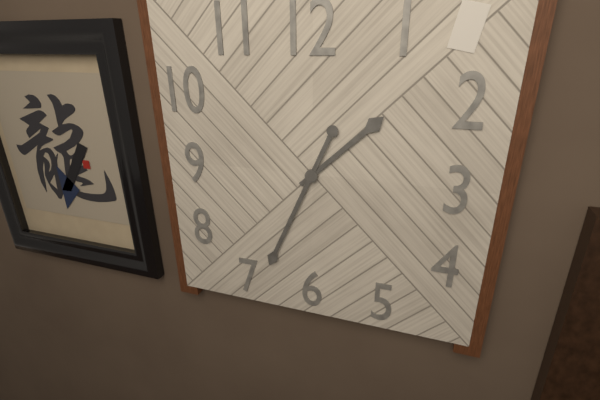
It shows 1h34
